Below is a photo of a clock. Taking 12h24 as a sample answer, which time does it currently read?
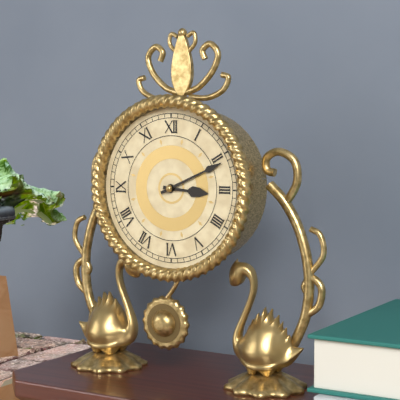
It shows 3h11
